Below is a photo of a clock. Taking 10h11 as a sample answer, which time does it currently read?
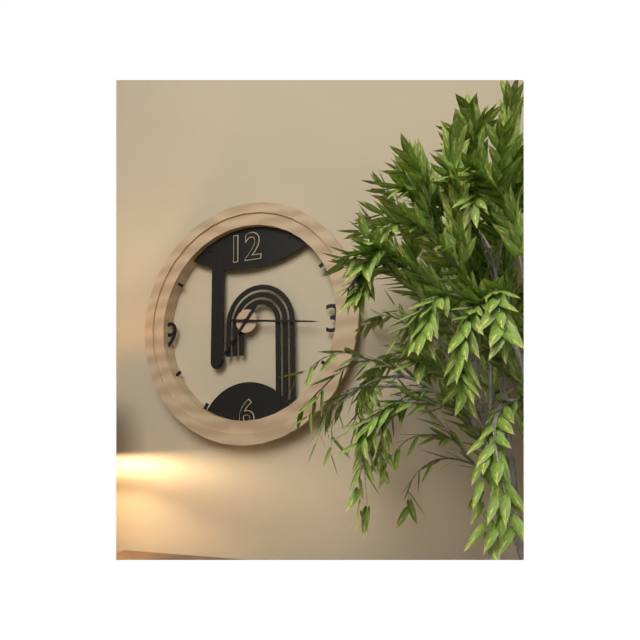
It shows 7h16
